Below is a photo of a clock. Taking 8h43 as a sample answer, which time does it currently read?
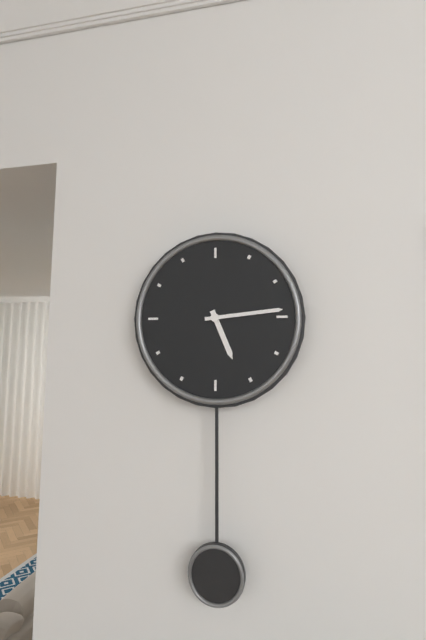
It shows 5h14
